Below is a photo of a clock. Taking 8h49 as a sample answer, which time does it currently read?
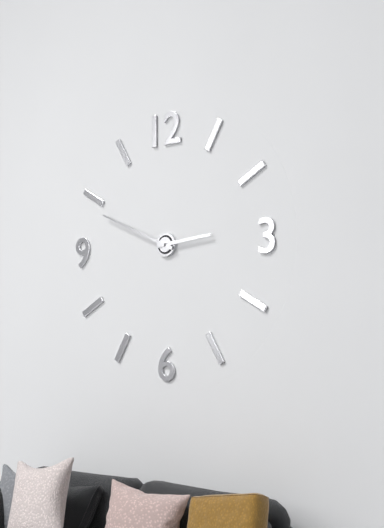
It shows 2h49
